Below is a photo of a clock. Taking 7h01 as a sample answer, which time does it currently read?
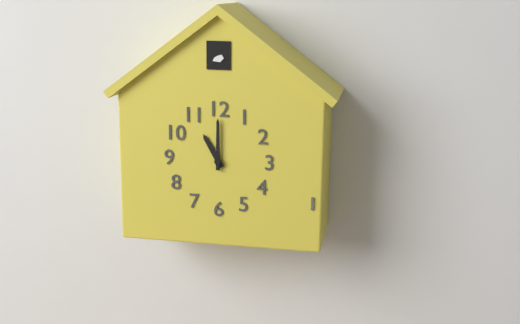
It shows 11h00
